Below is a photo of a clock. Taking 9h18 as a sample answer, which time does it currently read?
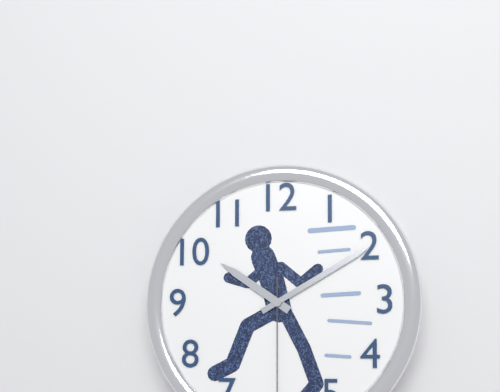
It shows 10h10
